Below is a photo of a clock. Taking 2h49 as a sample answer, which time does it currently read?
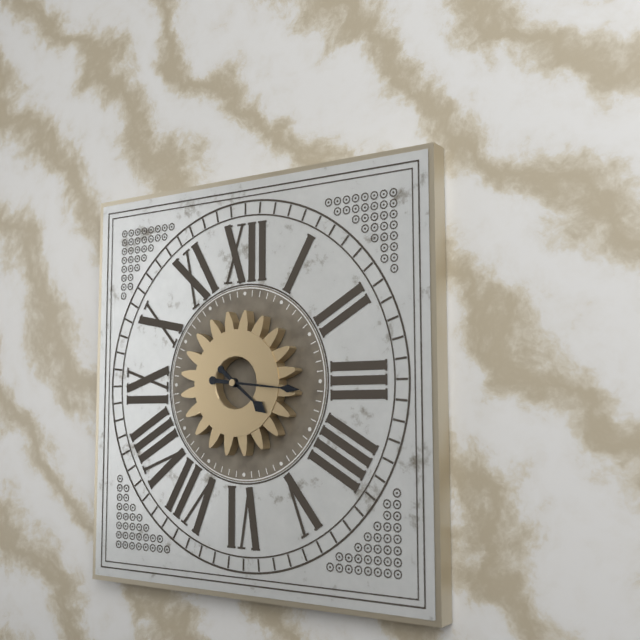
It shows 4h16
